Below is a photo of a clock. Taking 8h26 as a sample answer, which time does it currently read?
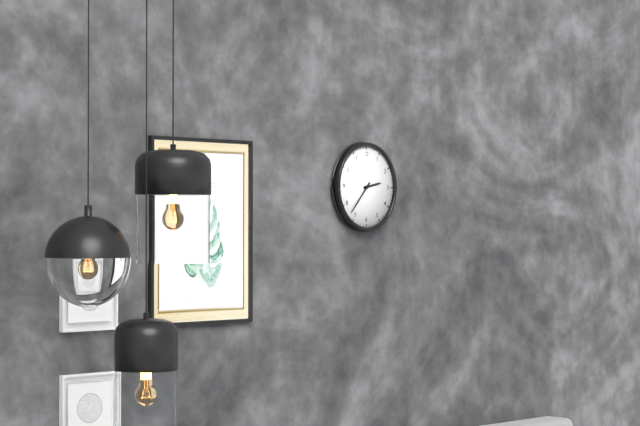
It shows 2h37
